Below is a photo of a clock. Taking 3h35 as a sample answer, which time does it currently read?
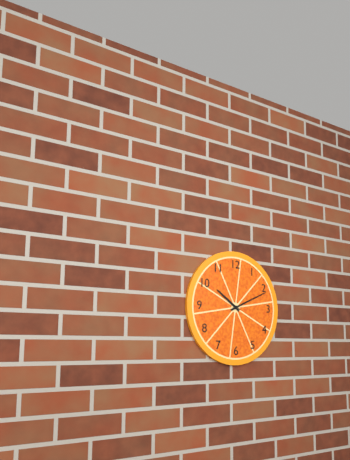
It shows 10h11
